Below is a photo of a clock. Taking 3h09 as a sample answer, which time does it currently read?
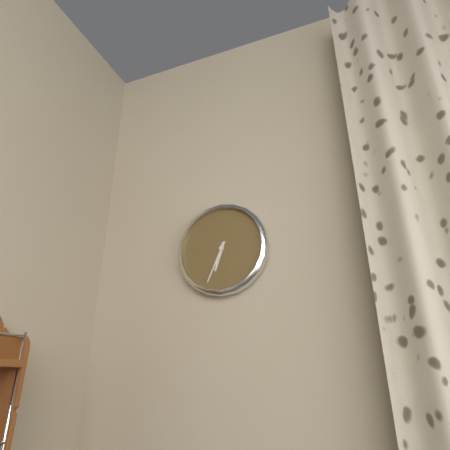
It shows 6h34
